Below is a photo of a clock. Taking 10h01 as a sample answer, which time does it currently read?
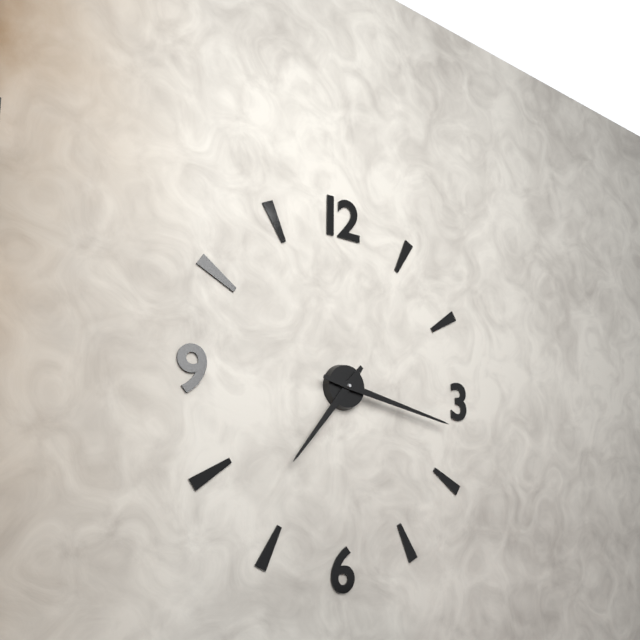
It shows 7h17
